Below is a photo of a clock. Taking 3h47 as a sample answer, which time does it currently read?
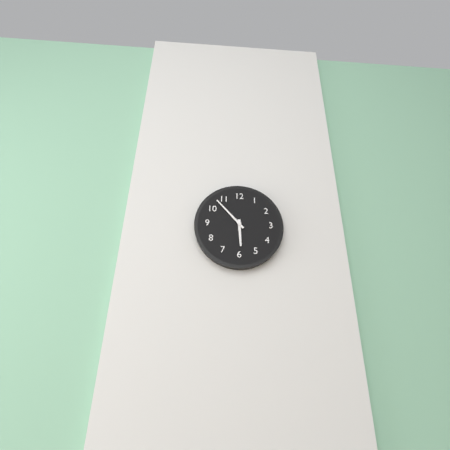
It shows 5h53
